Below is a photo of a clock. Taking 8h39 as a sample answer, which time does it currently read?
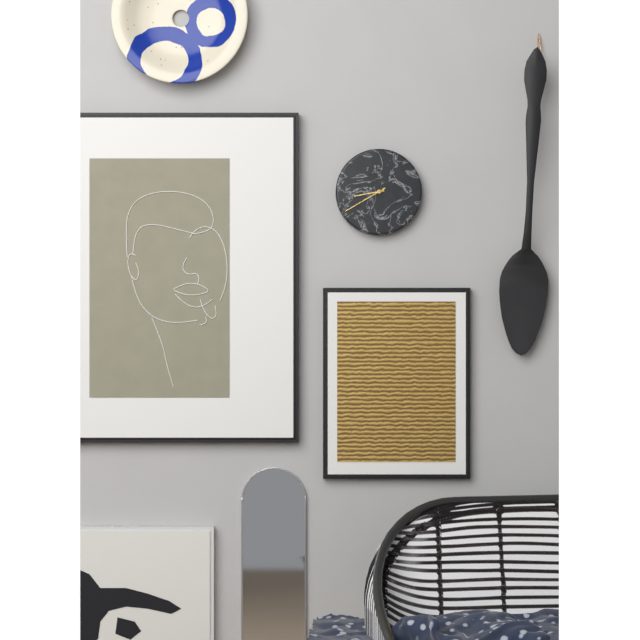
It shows 8h40
